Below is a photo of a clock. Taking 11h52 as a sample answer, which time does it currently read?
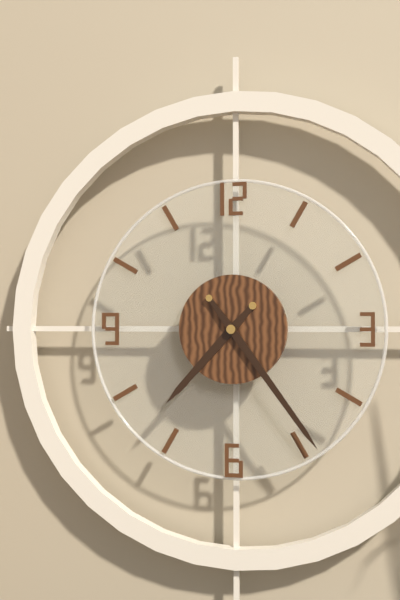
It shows 7h24
